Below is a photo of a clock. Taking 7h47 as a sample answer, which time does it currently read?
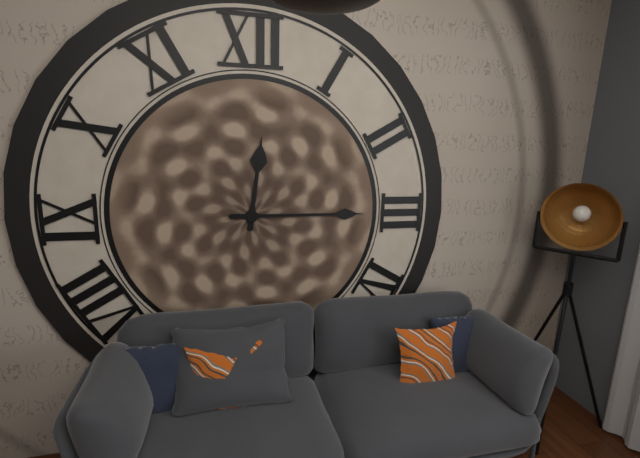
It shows 12h15
